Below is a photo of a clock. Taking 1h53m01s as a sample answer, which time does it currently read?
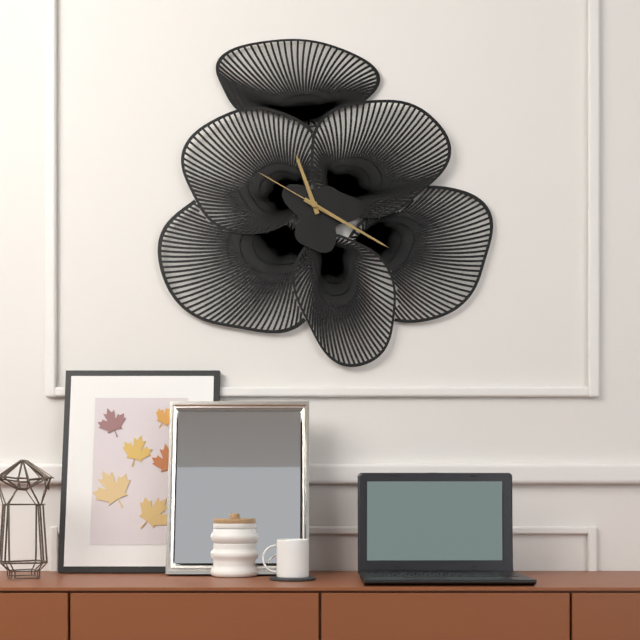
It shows 11h20m50s
